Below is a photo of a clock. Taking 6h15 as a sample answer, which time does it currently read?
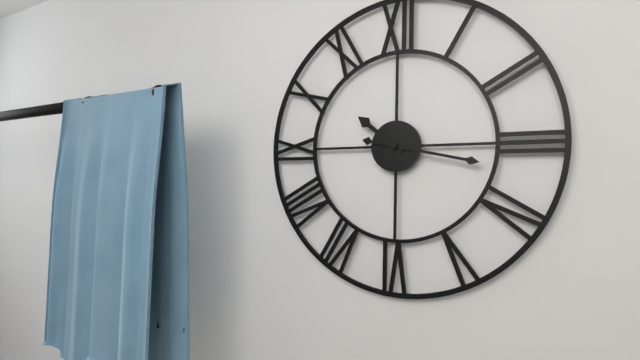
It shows 10h17
